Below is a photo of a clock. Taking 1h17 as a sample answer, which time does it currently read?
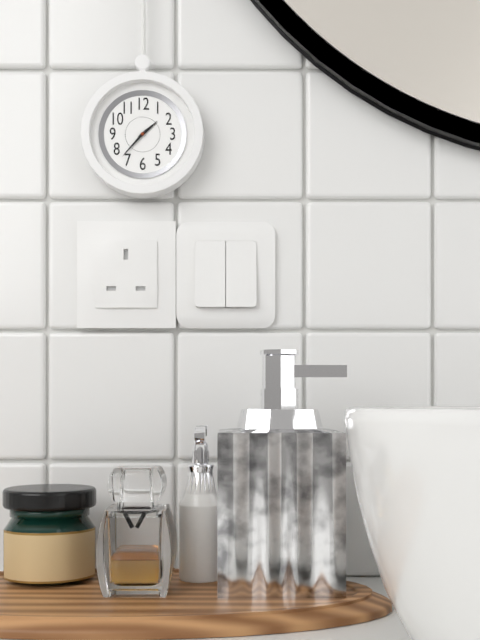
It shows 1h37
